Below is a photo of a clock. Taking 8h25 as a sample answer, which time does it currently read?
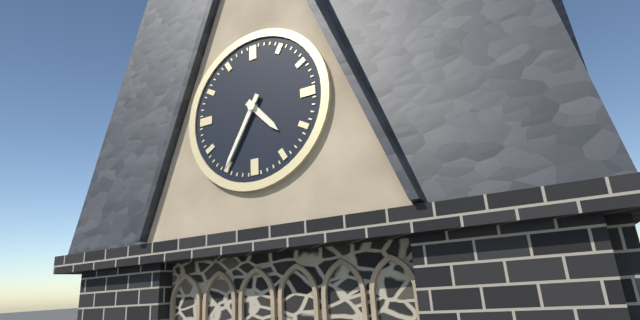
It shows 4h35
